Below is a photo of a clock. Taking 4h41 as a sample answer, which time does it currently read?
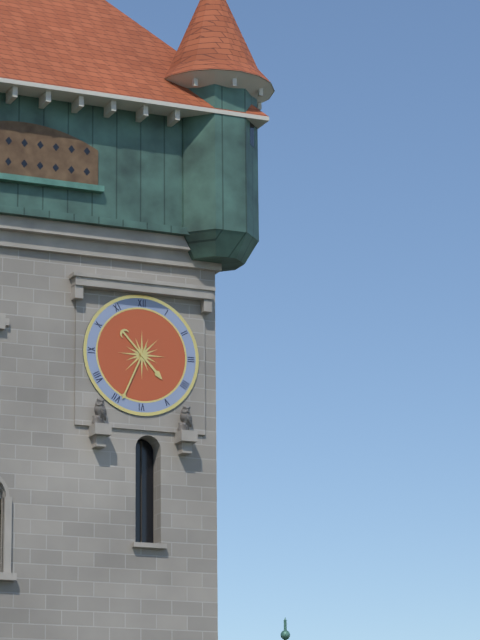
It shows 4h34
